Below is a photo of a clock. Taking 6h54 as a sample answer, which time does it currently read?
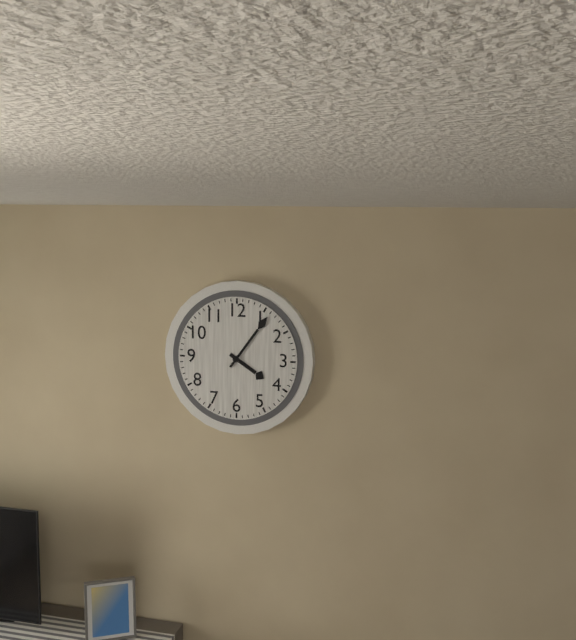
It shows 4h06
